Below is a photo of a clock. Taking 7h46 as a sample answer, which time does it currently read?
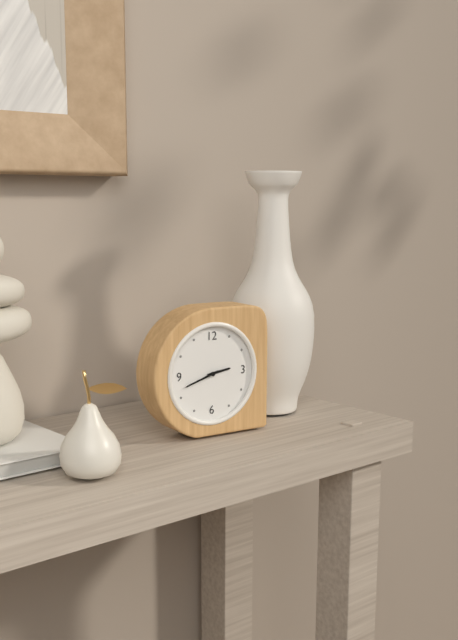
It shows 2h42
